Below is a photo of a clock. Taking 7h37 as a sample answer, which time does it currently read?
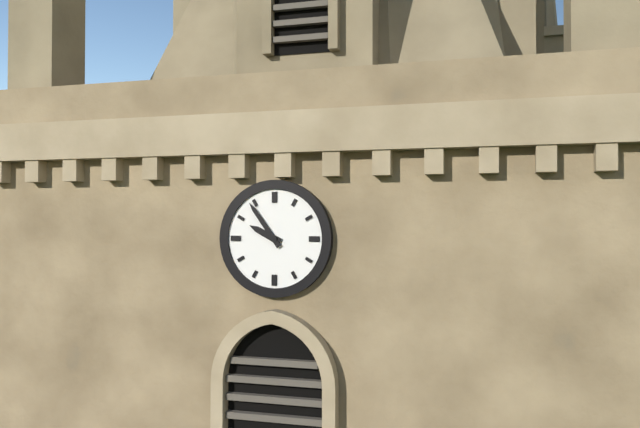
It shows 9h54
